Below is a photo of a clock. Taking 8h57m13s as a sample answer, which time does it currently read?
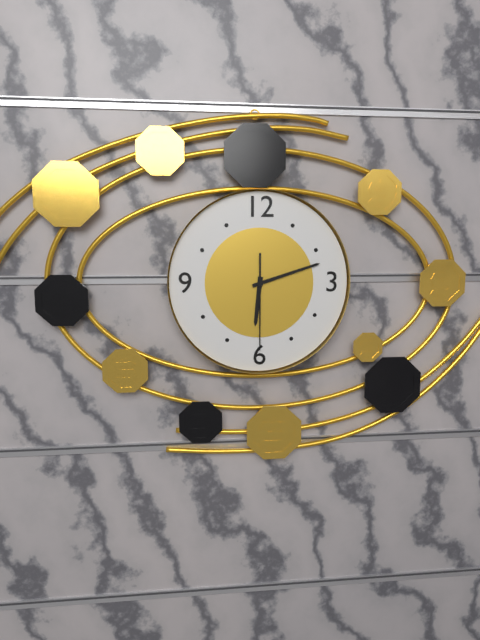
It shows 6h12m30s
